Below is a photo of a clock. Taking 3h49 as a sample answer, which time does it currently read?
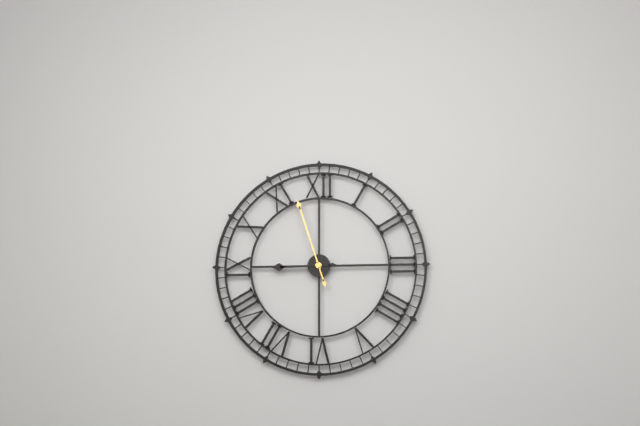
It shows 8h57
